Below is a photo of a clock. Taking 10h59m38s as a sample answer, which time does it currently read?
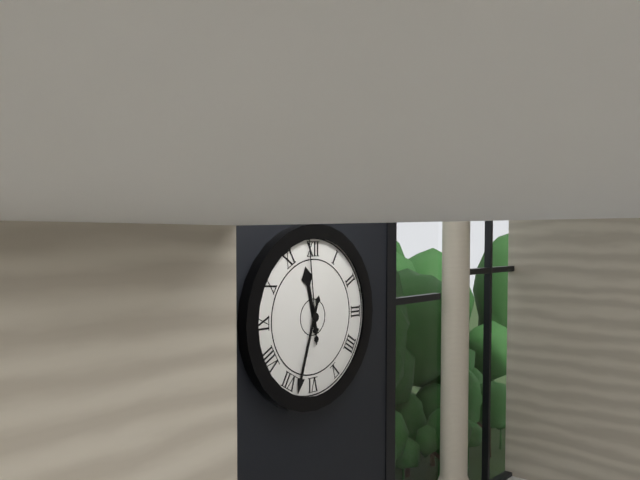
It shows 11h33m59s
